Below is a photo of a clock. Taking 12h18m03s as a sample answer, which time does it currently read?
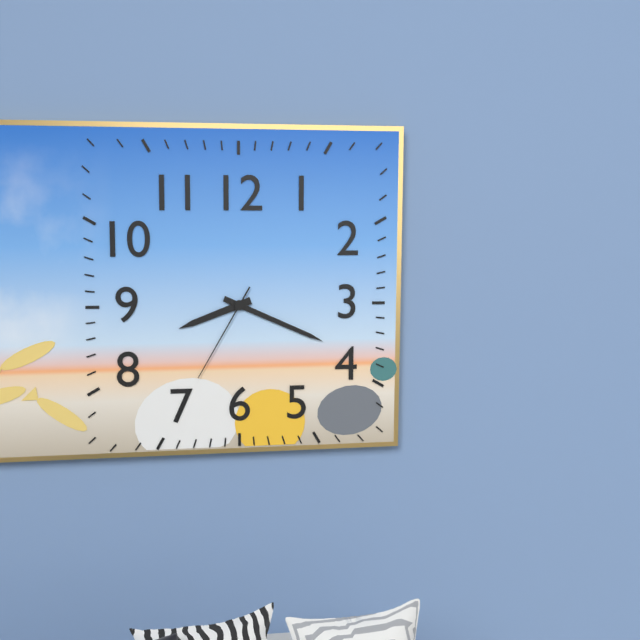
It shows 8h19m35s
